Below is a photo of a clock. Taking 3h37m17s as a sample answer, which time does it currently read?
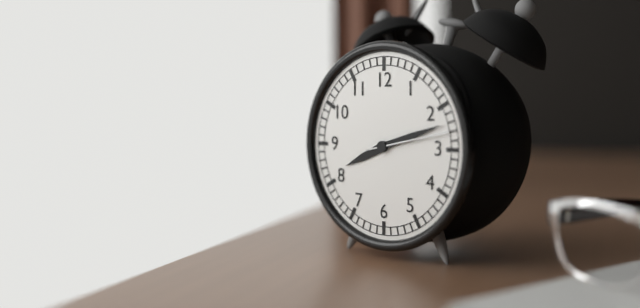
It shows 8h12m13s
